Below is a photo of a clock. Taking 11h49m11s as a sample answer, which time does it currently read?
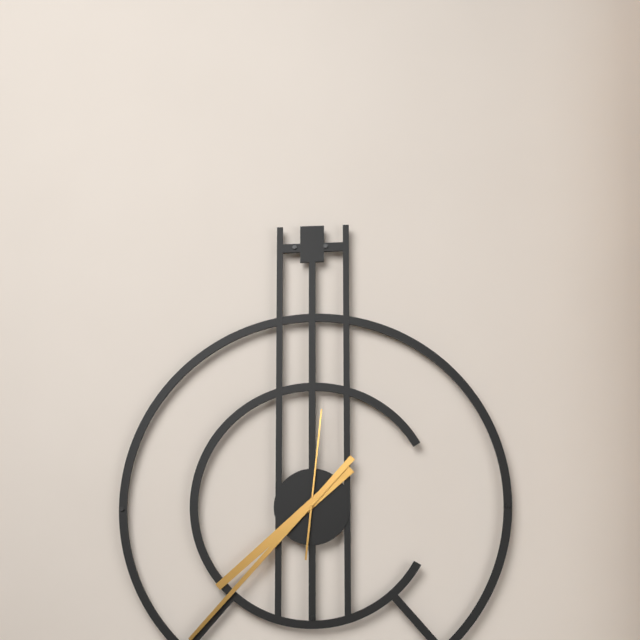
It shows 7h37m01s
